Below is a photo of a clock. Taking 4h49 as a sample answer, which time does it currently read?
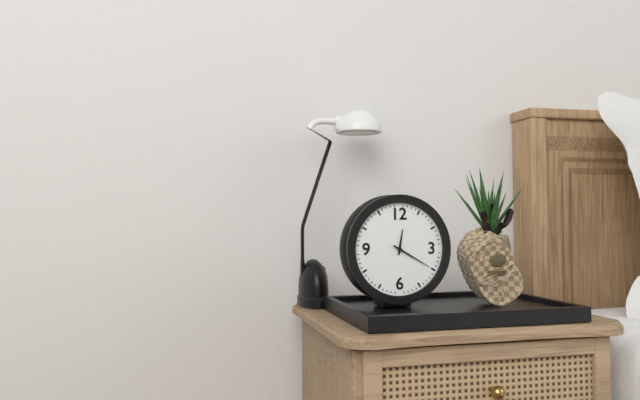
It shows 12h20
